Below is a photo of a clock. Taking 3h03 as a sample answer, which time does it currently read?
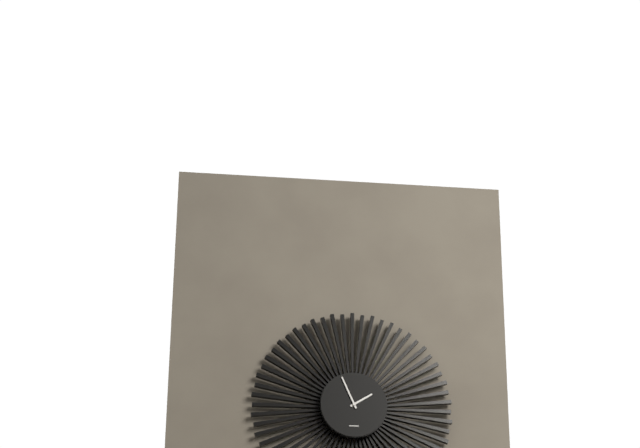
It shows 1h56
